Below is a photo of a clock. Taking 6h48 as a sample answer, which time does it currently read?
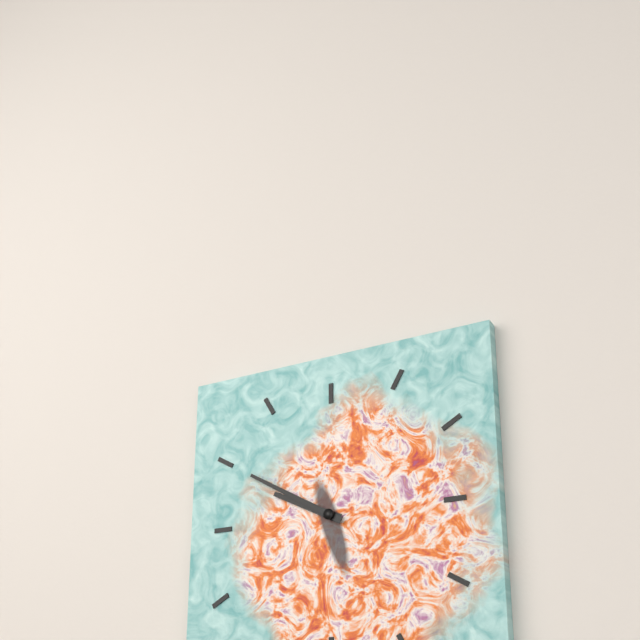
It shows 9h50
